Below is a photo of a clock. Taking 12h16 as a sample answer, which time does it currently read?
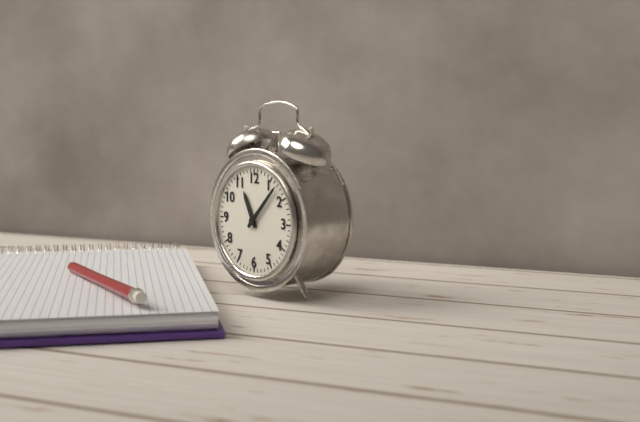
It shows 11h07
